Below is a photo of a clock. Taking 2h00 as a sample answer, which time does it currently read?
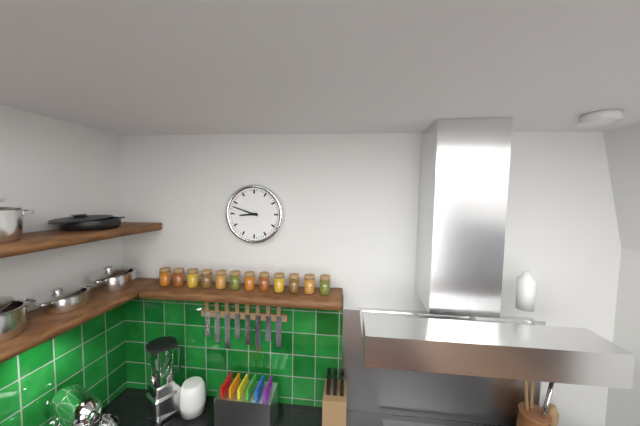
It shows 8h48
